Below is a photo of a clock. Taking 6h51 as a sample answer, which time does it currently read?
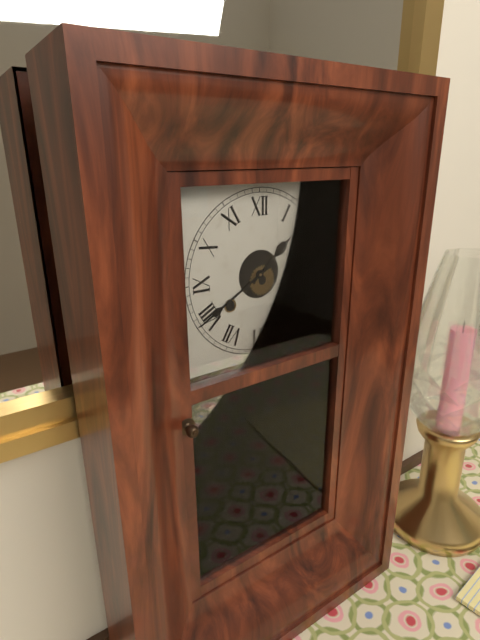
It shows 1h40
